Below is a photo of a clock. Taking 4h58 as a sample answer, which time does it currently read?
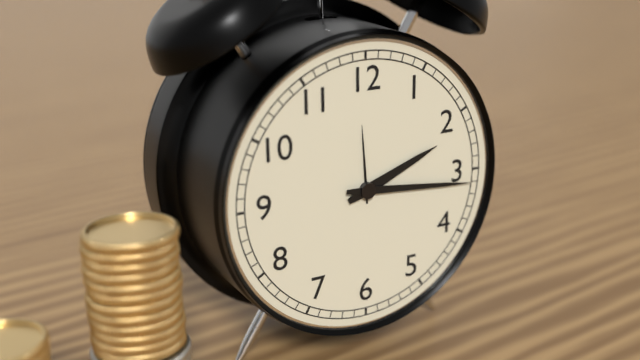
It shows 2h16
